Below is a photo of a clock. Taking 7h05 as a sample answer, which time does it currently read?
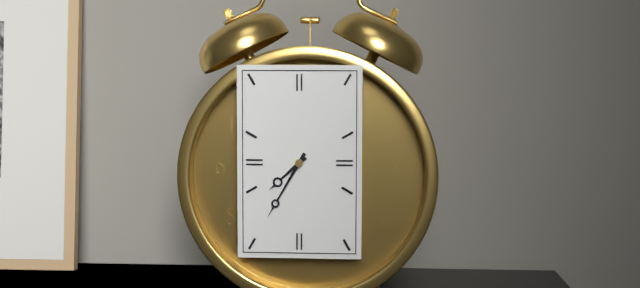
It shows 7h35
